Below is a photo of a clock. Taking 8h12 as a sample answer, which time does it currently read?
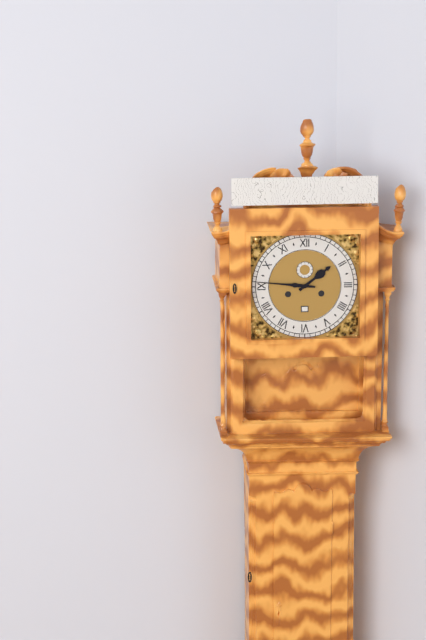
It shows 1h46
